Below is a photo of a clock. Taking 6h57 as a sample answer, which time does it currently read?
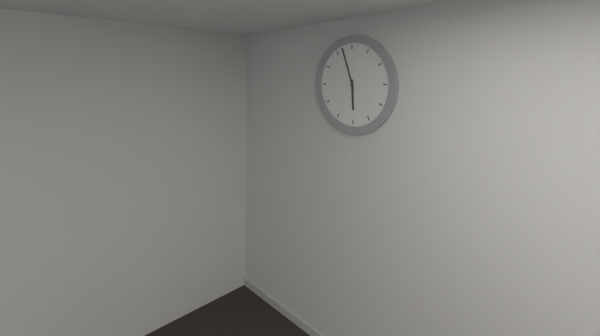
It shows 5h57
